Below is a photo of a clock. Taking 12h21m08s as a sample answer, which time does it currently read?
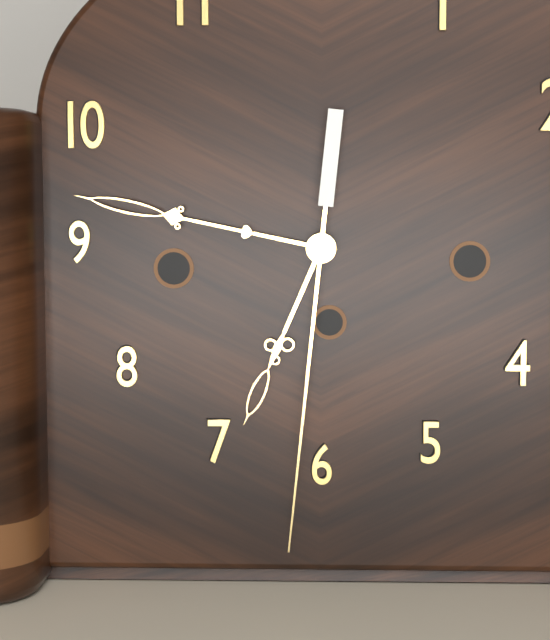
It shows 6h47m31s
